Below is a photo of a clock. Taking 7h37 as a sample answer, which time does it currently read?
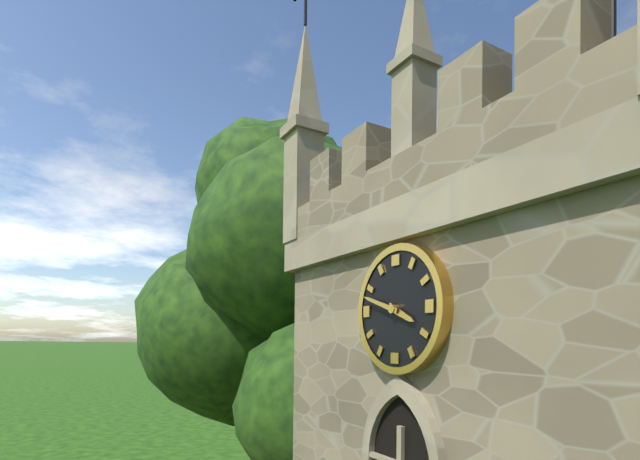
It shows 3h48
